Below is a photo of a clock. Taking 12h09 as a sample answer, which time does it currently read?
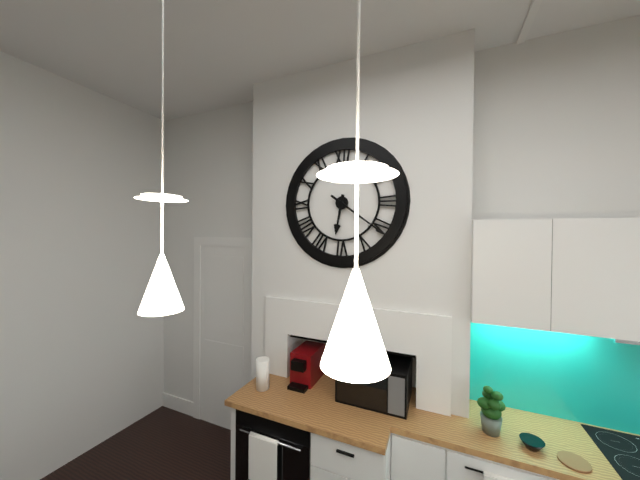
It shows 6h21
